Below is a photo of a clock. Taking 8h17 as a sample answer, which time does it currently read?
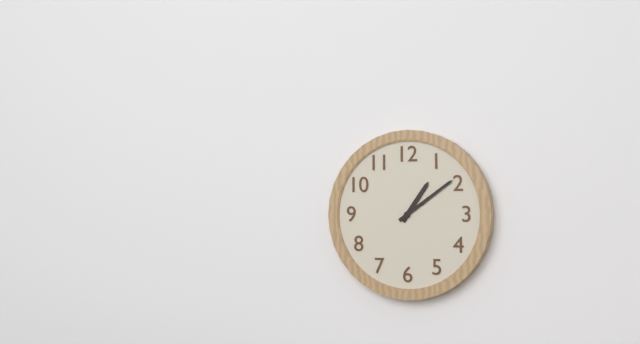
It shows 1h09
